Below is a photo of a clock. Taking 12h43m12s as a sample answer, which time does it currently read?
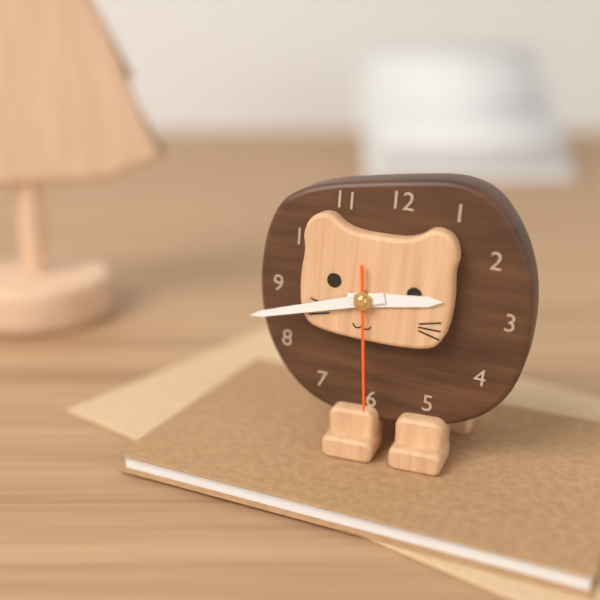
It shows 2h42m29s
